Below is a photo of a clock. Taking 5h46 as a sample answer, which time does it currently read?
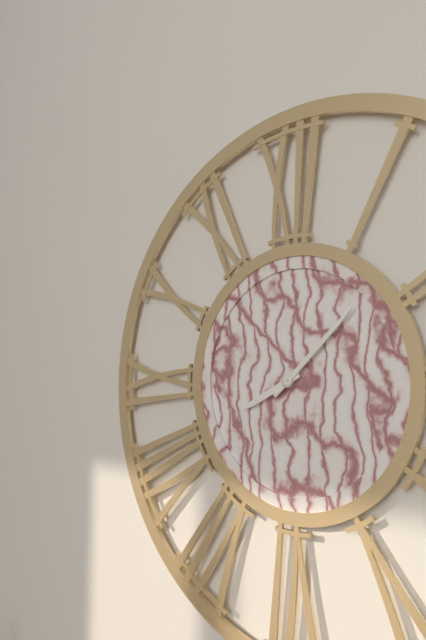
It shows 8h08
